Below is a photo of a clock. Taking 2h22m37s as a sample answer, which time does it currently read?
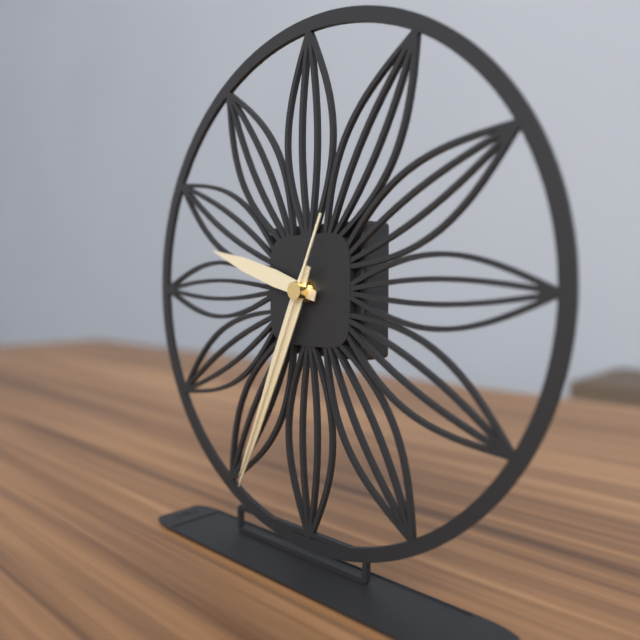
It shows 9h34m34s
